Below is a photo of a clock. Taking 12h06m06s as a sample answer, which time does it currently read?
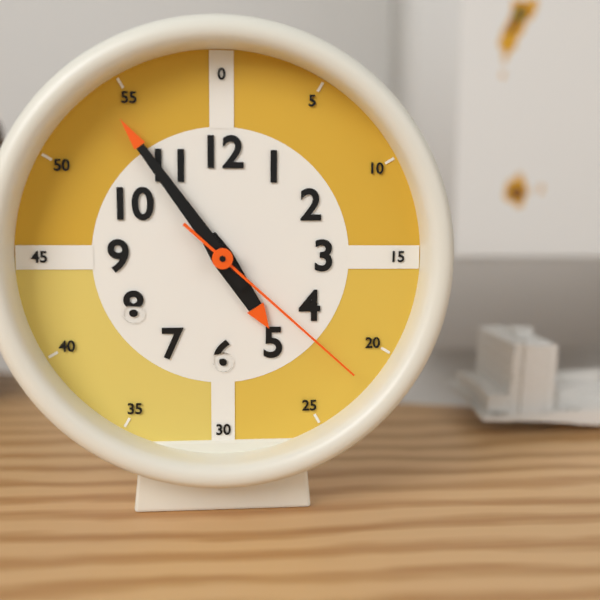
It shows 4h54m22s
